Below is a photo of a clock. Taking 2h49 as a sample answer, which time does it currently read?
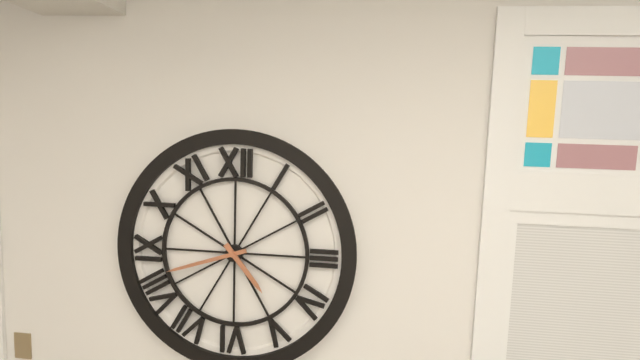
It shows 4h42
